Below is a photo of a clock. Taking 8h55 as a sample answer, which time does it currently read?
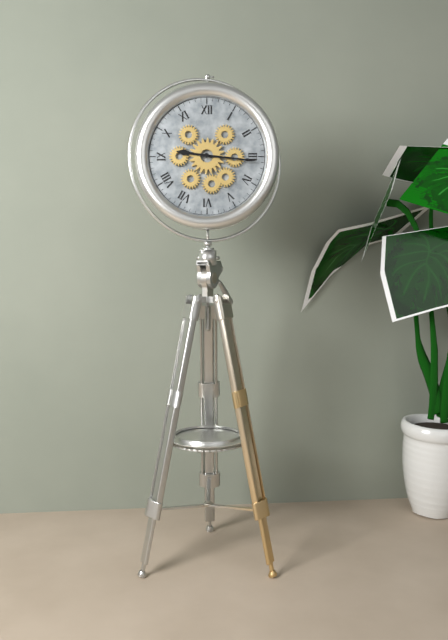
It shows 9h16
